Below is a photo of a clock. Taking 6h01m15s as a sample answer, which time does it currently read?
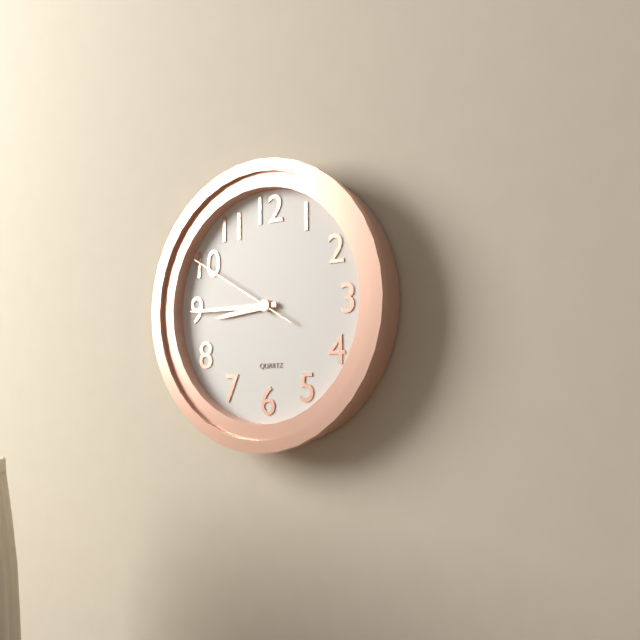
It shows 8h45m50s
